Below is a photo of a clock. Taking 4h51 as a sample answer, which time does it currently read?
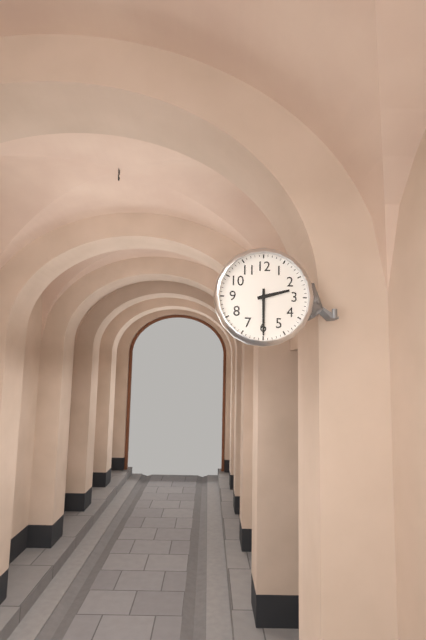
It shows 2h30
